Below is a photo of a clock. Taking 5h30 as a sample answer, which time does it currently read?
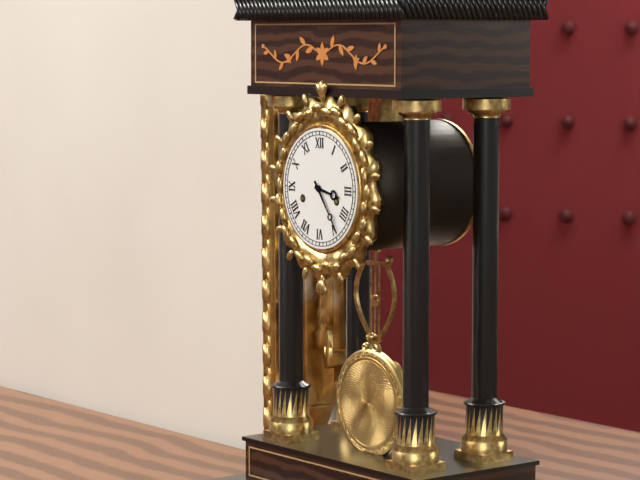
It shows 3h24
